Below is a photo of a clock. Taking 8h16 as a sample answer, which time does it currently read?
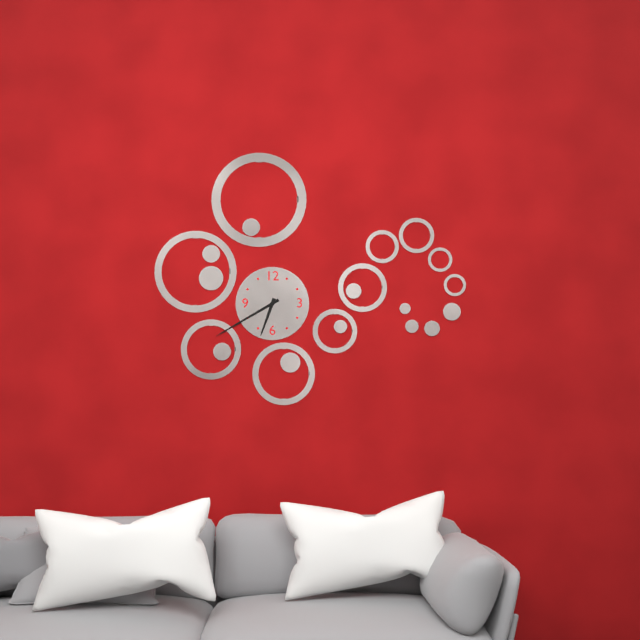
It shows 6h40
